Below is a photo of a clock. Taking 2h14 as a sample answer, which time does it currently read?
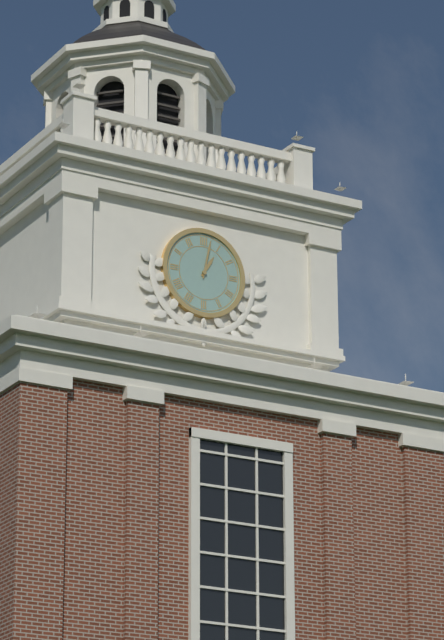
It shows 1h02
